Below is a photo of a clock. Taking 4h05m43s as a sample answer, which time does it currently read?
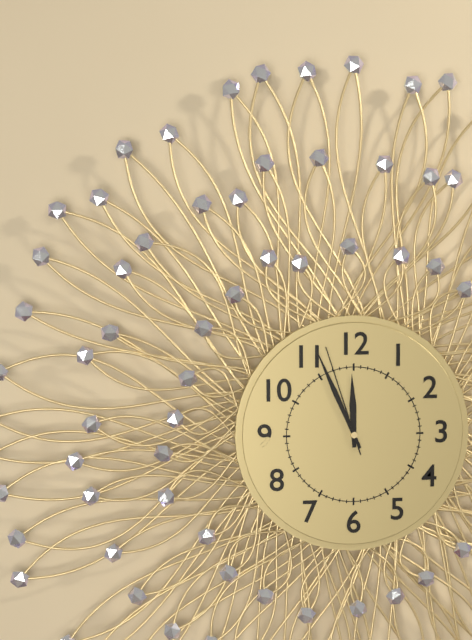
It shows 11h56m57s
